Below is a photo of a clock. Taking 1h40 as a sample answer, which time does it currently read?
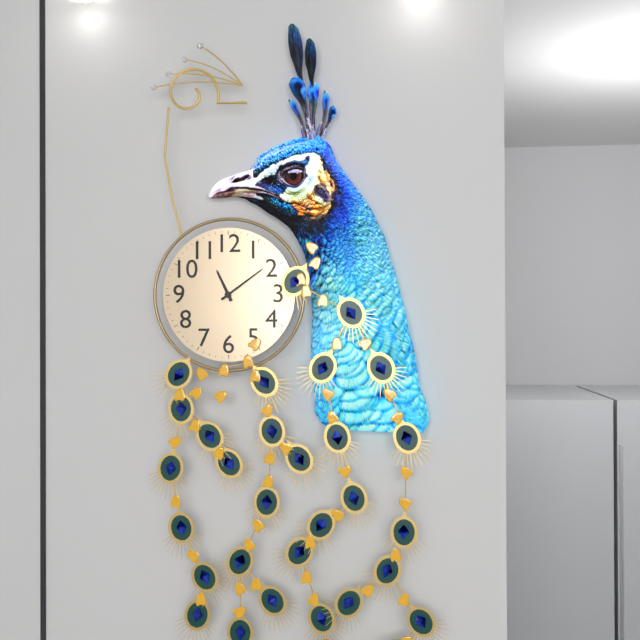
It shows 11h09
